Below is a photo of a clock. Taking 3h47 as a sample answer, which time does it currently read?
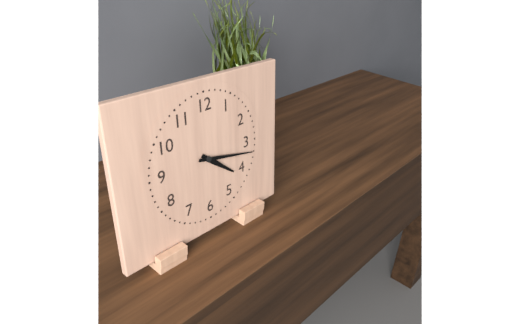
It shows 4h17
